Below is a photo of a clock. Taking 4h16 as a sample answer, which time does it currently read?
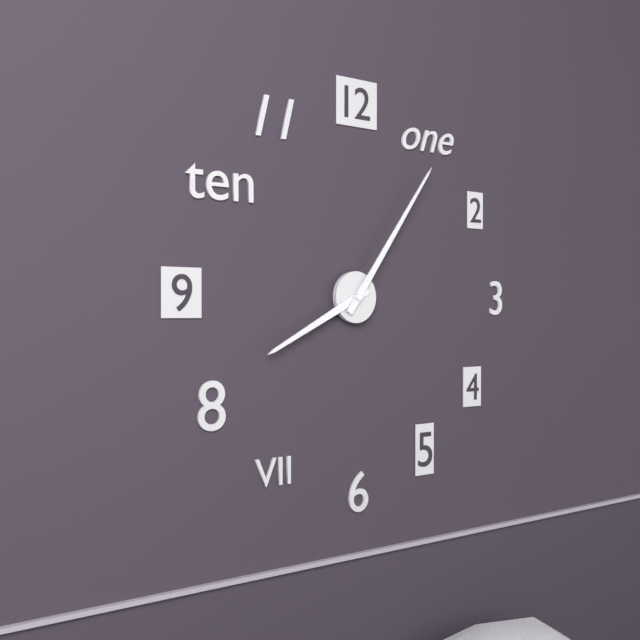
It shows 8h06
